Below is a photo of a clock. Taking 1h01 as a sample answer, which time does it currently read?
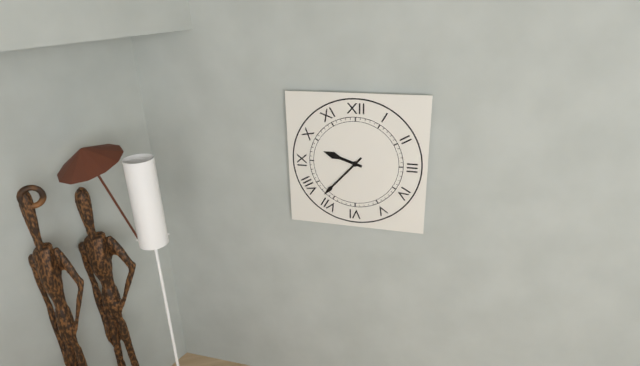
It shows 9h37
